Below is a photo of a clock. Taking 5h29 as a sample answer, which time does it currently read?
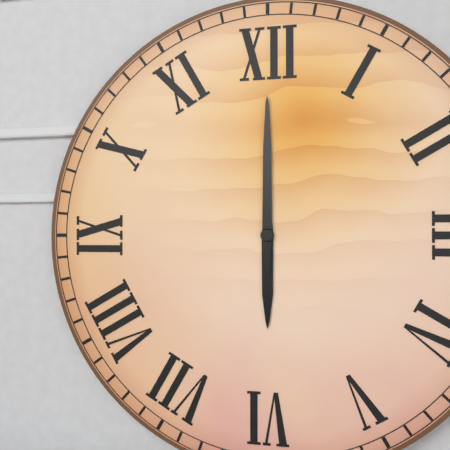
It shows 6h00
